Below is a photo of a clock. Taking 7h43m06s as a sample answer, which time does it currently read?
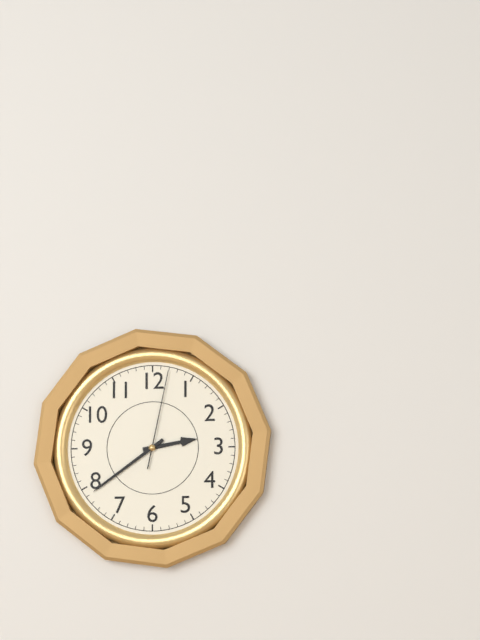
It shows 2h39m02s
